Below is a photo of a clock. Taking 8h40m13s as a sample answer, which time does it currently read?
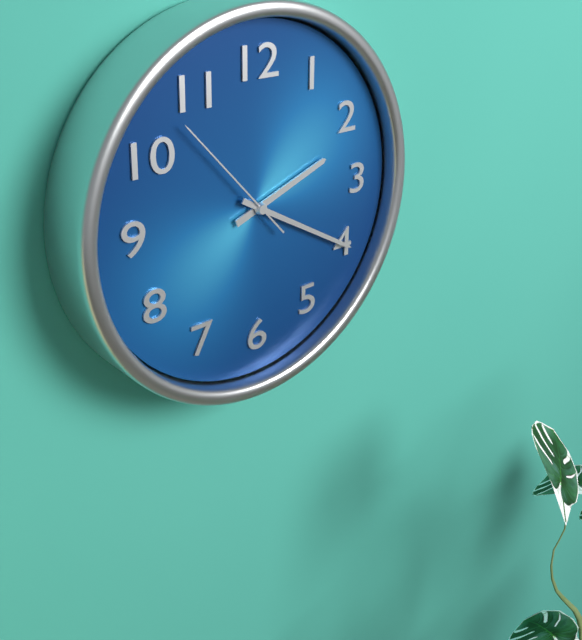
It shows 2h20m53s
